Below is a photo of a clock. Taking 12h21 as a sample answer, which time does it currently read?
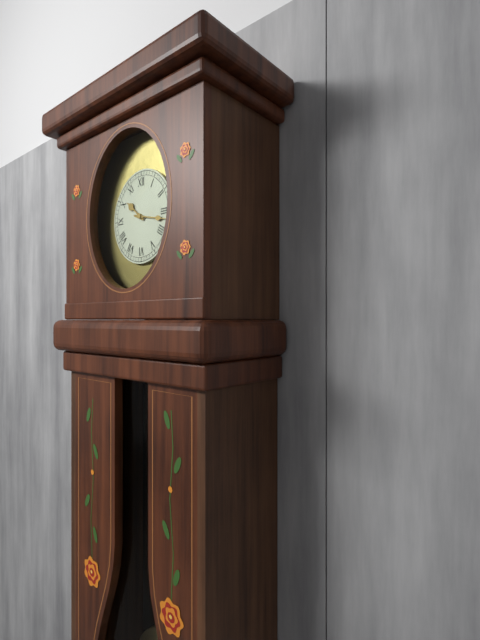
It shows 10h17
